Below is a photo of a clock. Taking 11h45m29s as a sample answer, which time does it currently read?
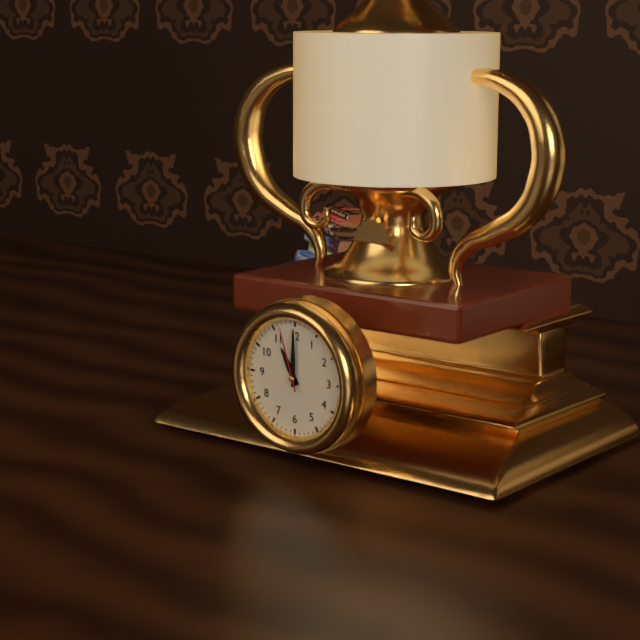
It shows 11h00m57s
